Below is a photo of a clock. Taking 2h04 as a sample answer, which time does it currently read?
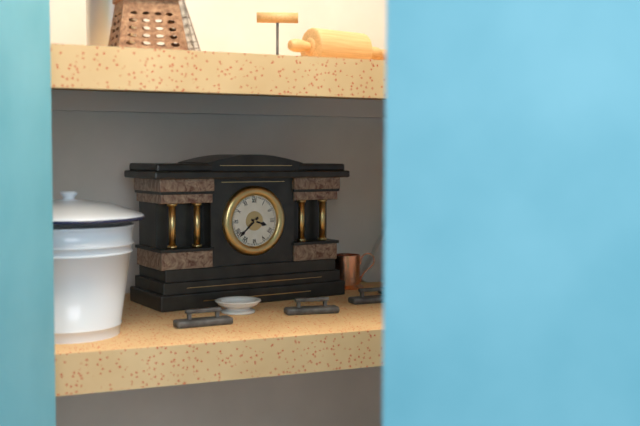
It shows 3h38
